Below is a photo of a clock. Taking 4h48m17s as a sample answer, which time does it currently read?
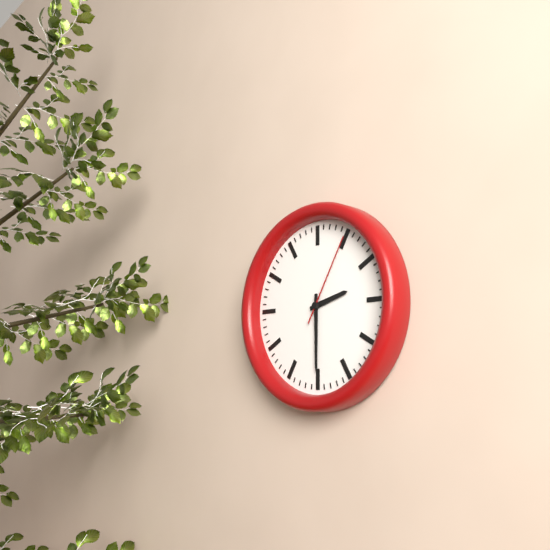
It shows 2h30m05s
